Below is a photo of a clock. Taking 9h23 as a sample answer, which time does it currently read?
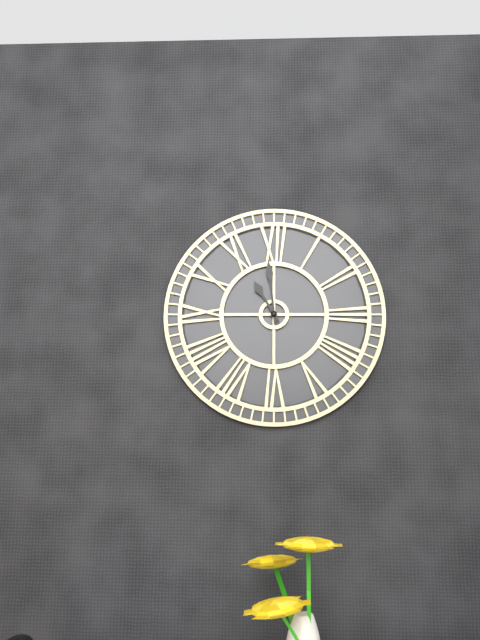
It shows 10h59
